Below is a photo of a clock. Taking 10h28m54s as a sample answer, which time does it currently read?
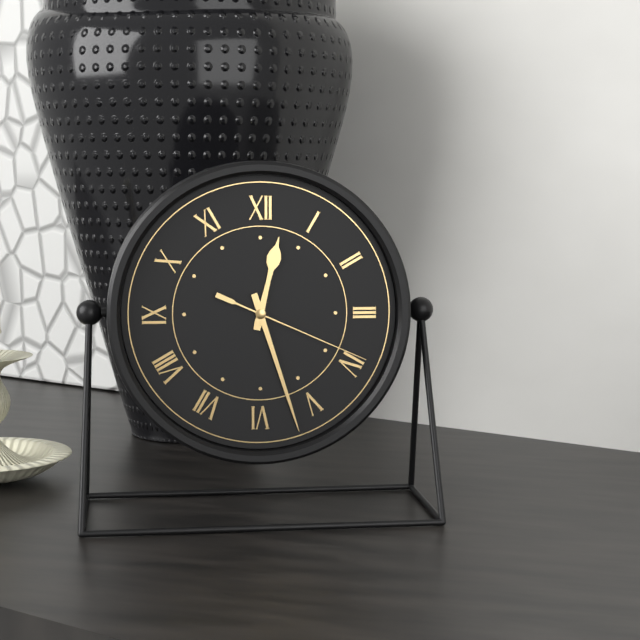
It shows 12h27m19s
